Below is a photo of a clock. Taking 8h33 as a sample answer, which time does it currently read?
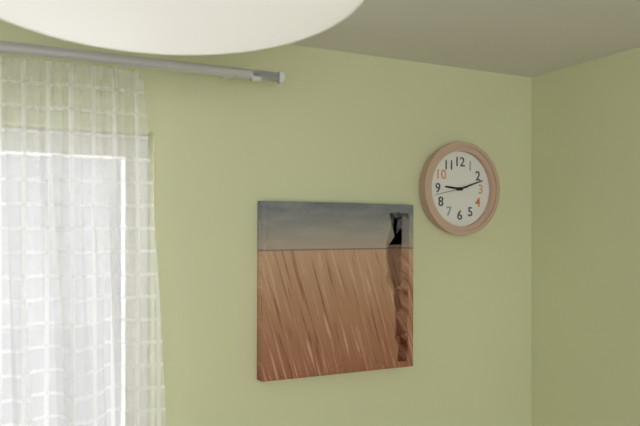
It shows 9h12
